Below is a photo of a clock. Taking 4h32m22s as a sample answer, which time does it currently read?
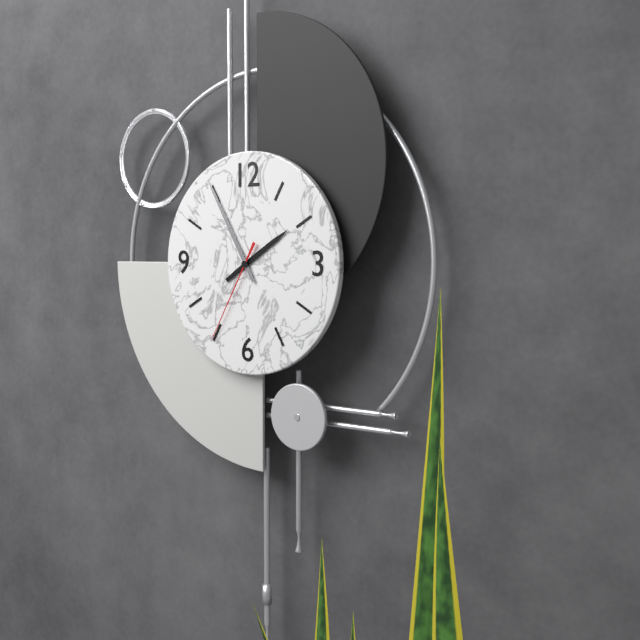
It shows 1h55m35s
